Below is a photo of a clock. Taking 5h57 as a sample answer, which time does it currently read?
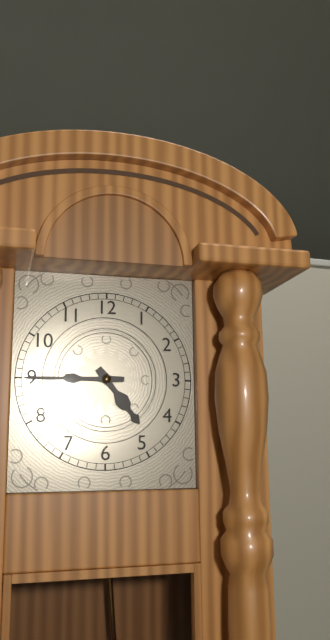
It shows 4h45
